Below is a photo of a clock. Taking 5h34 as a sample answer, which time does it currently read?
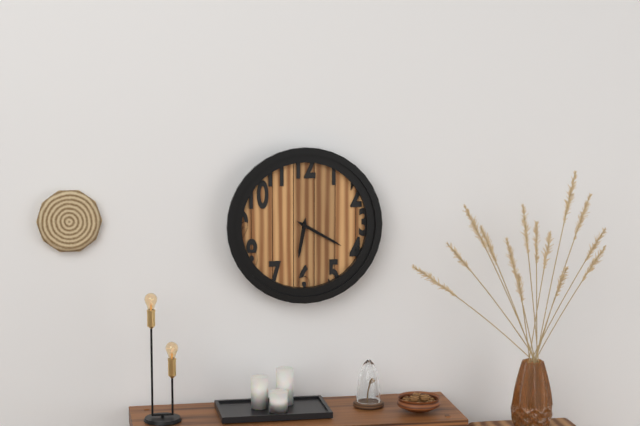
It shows 6h20
